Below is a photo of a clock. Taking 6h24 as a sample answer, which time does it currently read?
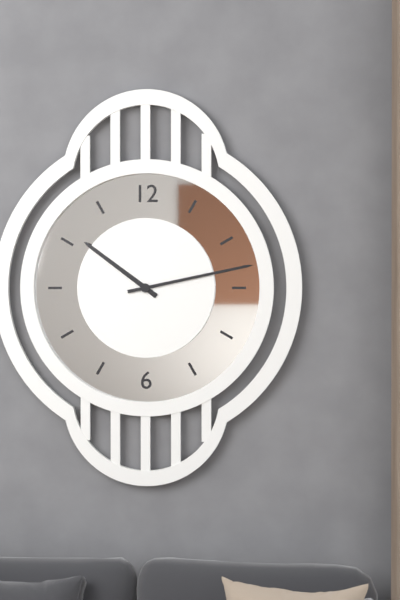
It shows 10h13
